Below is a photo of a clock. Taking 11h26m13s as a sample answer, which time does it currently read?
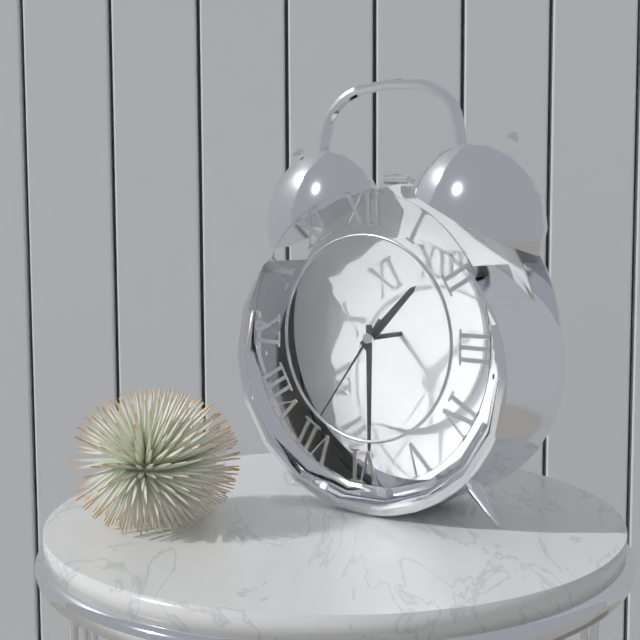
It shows 1h30m36s
